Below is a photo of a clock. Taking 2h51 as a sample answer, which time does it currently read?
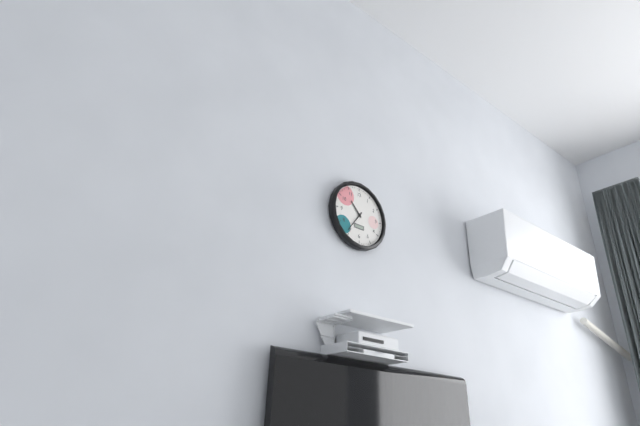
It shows 10h36
